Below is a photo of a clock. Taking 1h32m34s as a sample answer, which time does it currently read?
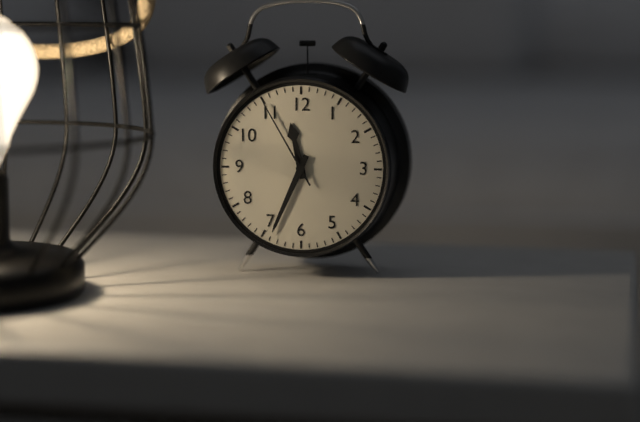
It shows 11h34m55s
